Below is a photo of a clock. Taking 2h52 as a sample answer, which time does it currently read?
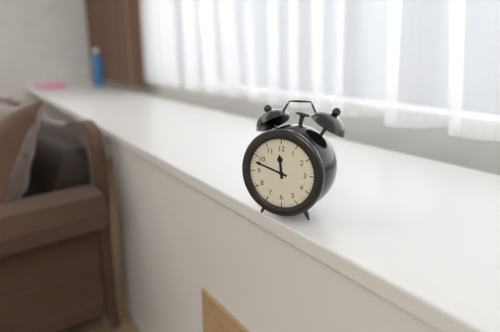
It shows 11h48
